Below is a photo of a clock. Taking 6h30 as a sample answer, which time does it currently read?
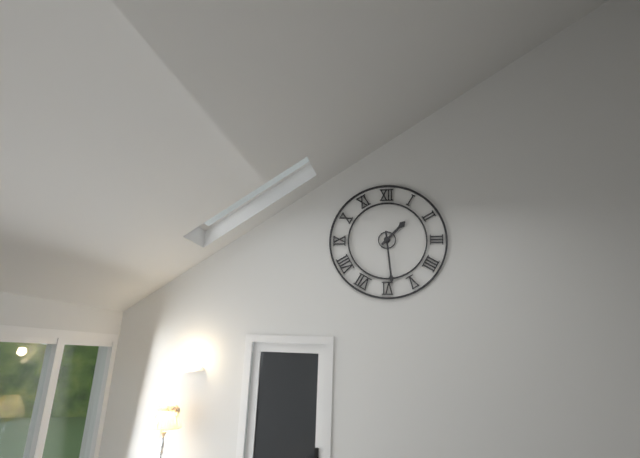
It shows 1h29
